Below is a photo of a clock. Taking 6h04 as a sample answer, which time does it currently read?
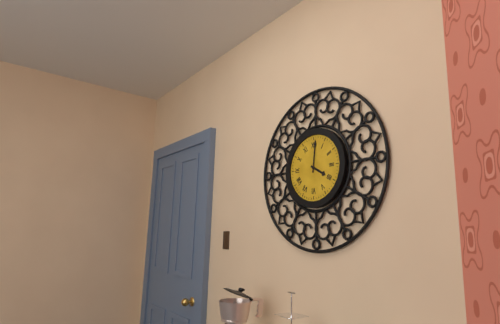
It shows 4h01
